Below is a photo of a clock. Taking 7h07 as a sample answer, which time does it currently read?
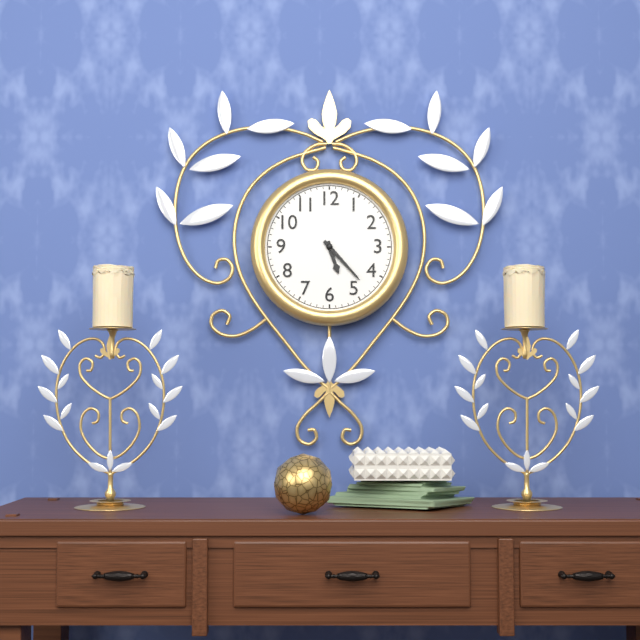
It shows 5h23
